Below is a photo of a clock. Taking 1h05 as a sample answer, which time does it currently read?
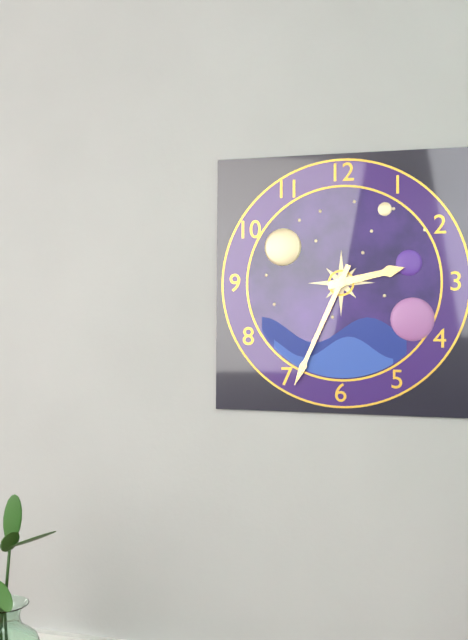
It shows 2h34
